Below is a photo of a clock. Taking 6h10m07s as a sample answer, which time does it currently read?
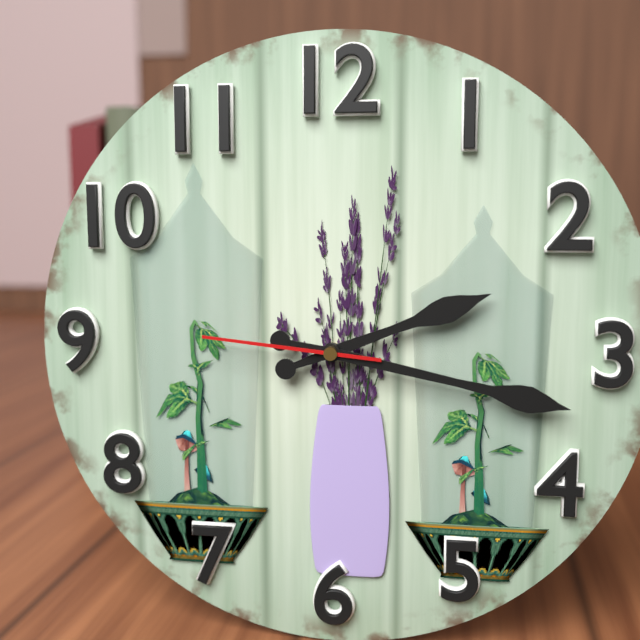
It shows 2h17m46s
